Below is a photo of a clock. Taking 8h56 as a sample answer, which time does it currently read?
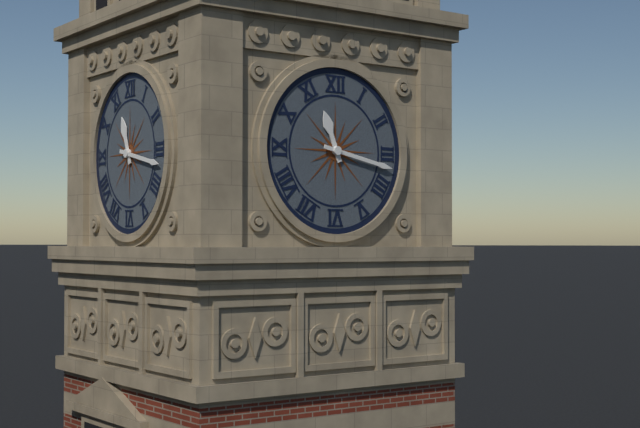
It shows 11h17
